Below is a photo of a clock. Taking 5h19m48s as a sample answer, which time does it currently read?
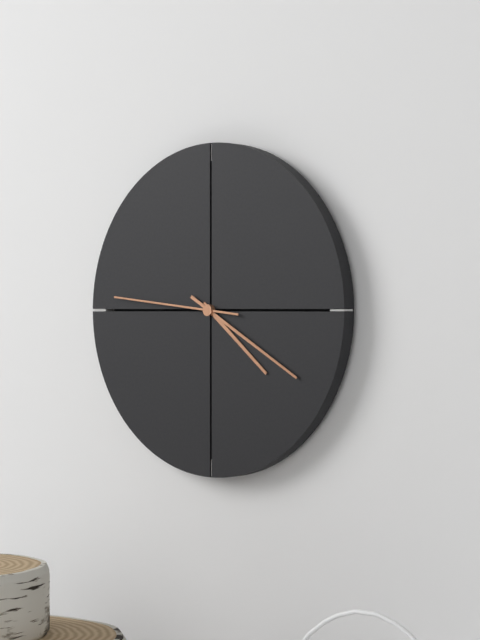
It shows 4h20m46s
